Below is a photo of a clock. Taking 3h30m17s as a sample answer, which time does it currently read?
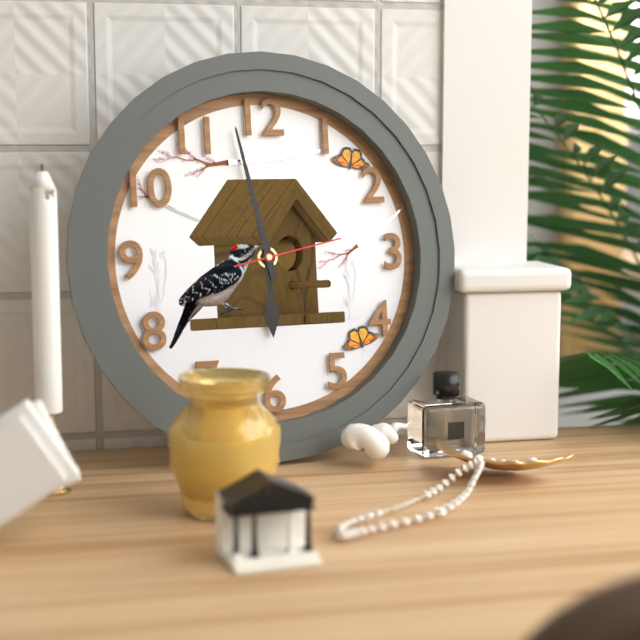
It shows 5h58m13s
